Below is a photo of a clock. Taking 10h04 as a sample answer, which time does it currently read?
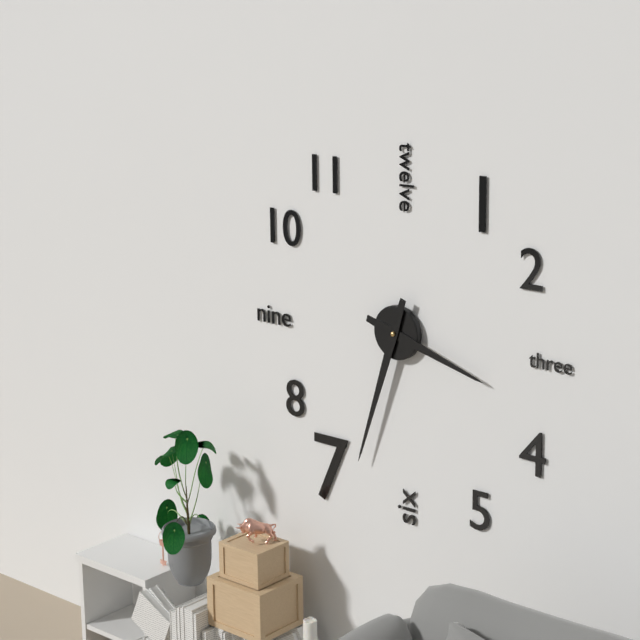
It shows 3h33
